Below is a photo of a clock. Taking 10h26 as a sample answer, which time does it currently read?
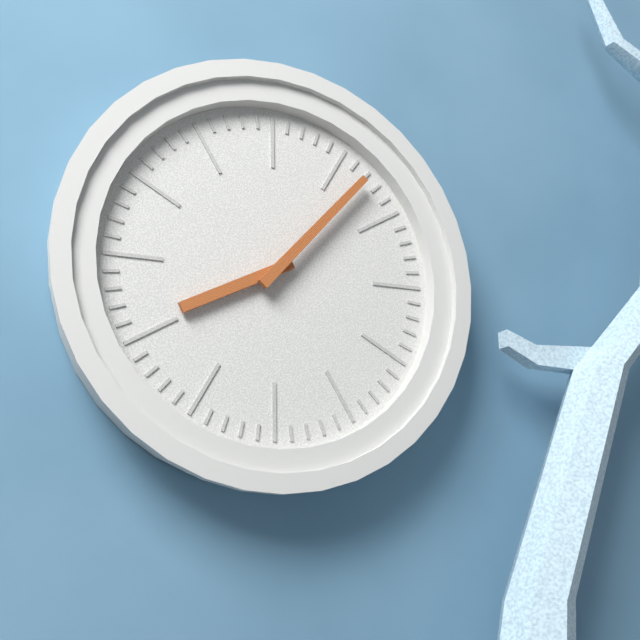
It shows 8h07
